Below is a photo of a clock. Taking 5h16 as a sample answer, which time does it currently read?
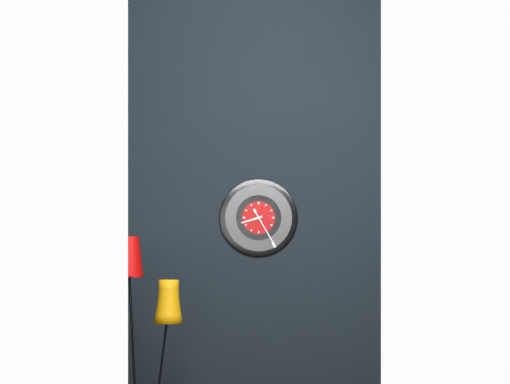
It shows 8h25
